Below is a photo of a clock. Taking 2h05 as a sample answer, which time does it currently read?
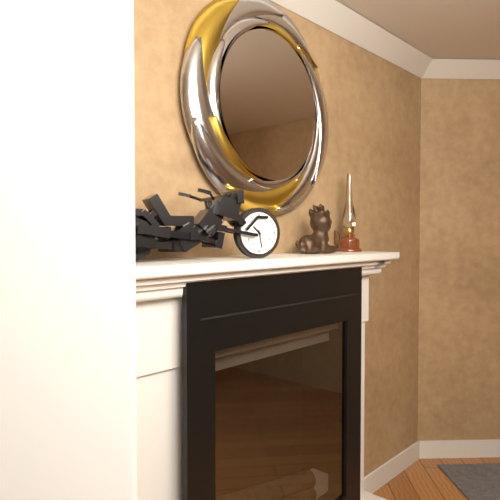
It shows 10h28
